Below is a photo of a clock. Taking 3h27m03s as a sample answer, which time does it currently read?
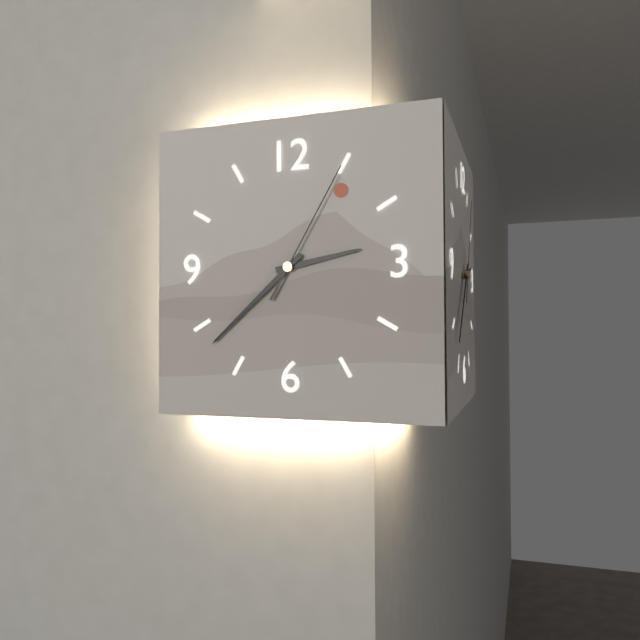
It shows 2h38m05s
